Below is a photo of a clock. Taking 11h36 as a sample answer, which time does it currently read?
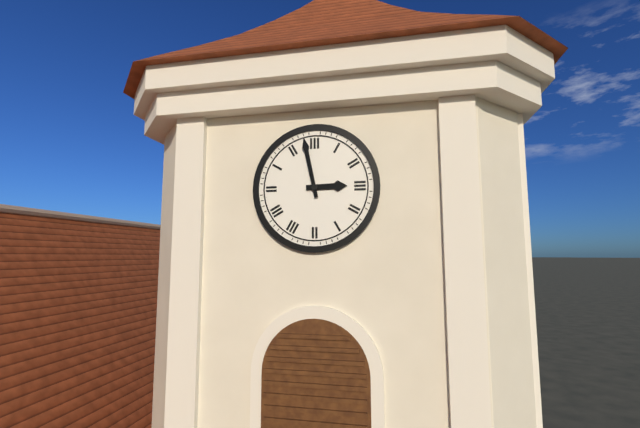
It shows 2h58
